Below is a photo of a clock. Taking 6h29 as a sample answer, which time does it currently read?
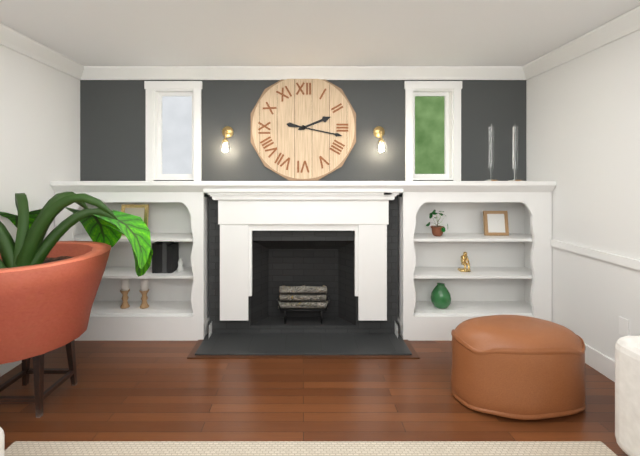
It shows 2h17
